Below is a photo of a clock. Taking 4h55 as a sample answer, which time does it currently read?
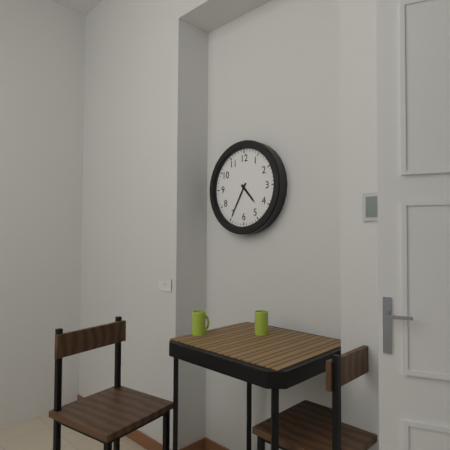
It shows 4h35
